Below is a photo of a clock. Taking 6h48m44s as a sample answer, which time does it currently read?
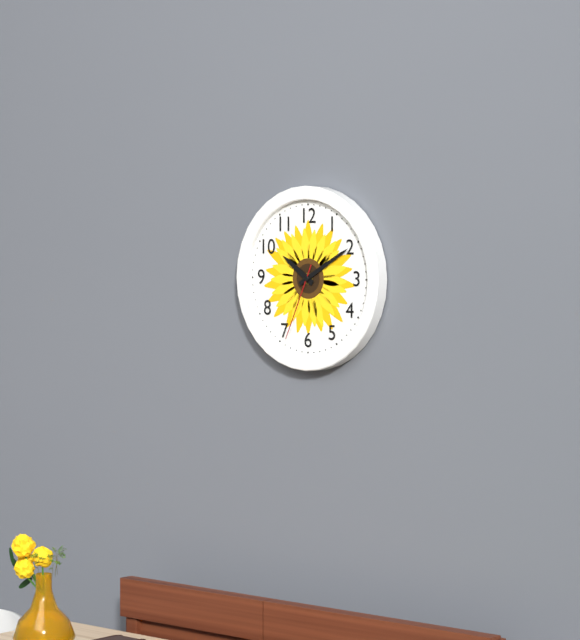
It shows 10h10m34s
